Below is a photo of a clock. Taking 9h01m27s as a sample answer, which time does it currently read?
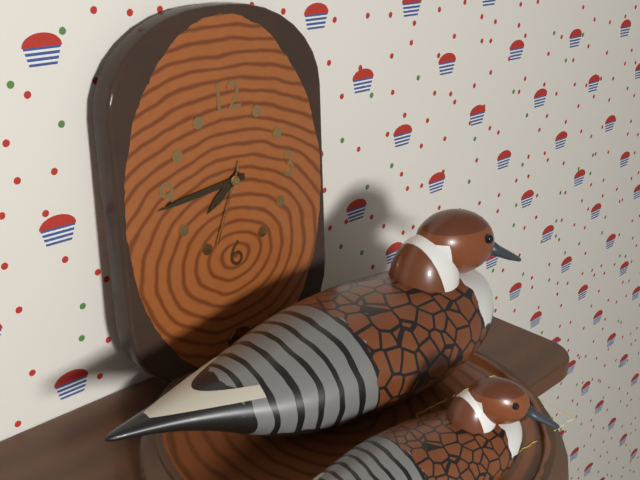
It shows 7h44m34s
